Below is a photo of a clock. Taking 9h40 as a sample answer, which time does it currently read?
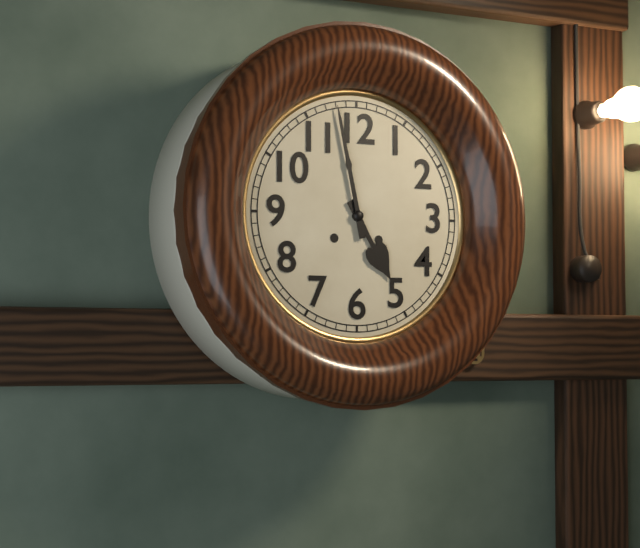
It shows 4h58
